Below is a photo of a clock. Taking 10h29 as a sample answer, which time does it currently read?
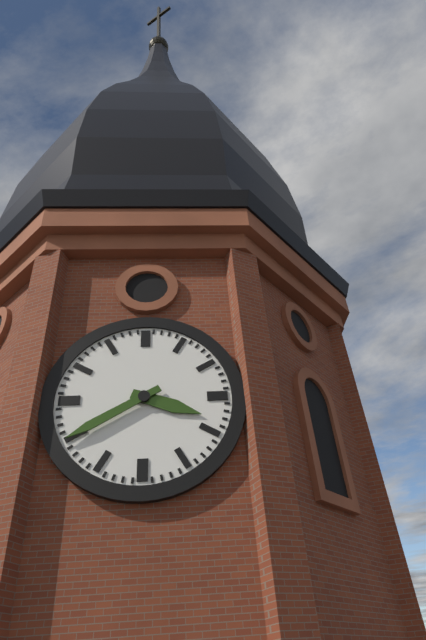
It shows 3h40
